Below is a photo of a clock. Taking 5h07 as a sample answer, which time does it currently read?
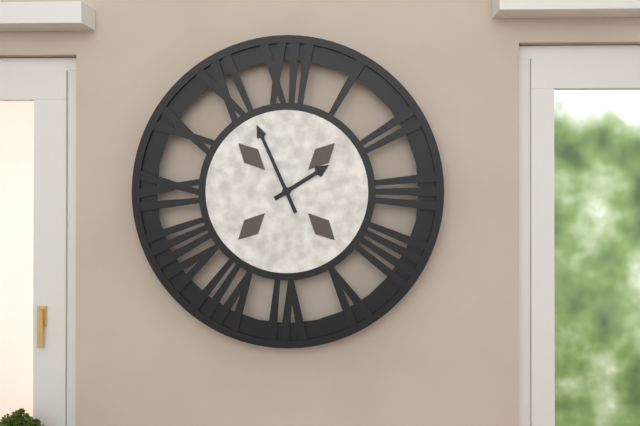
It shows 1h56
